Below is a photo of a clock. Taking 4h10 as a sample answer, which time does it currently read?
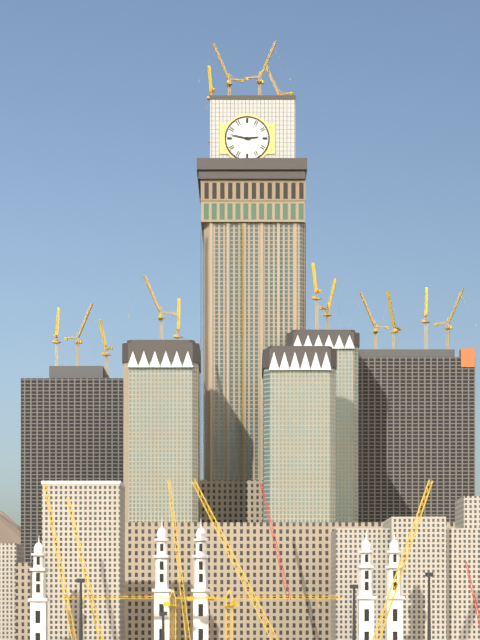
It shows 2h47
